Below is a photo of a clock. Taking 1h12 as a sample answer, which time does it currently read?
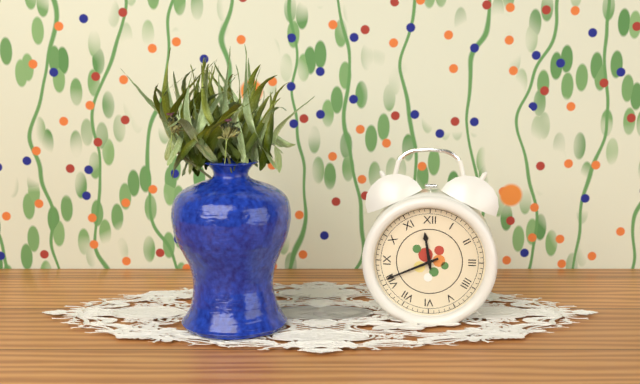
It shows 11h41
